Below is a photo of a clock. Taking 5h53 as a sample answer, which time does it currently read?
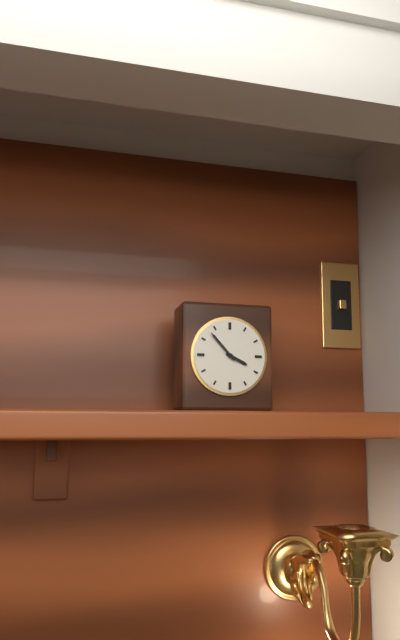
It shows 3h53
